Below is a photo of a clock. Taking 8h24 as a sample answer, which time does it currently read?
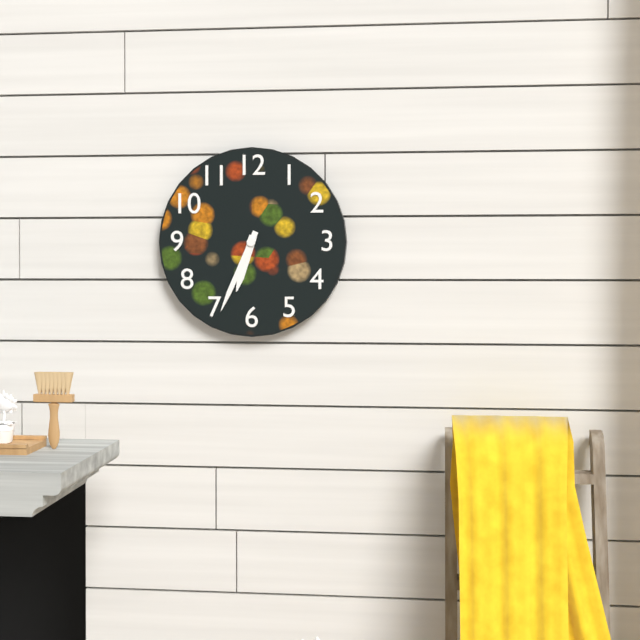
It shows 6h34
